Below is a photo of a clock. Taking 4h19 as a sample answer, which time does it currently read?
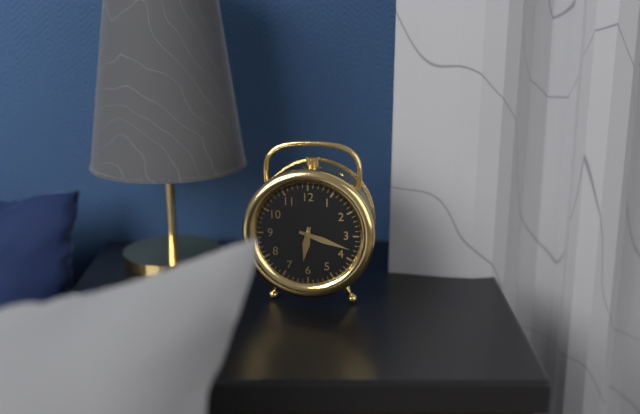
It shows 6h18
